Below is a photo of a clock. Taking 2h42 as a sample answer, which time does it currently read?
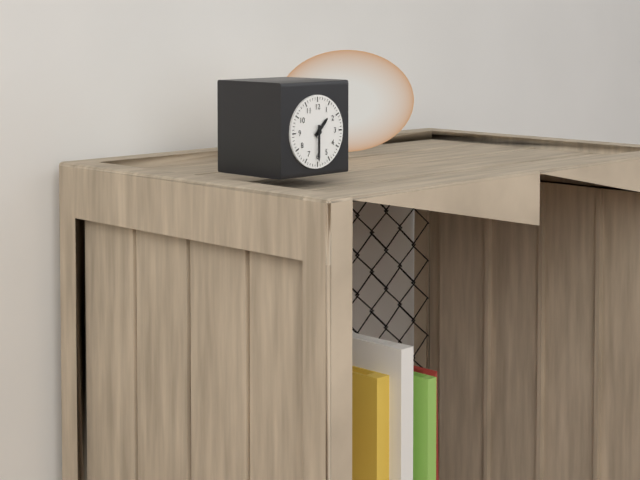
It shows 1h30
